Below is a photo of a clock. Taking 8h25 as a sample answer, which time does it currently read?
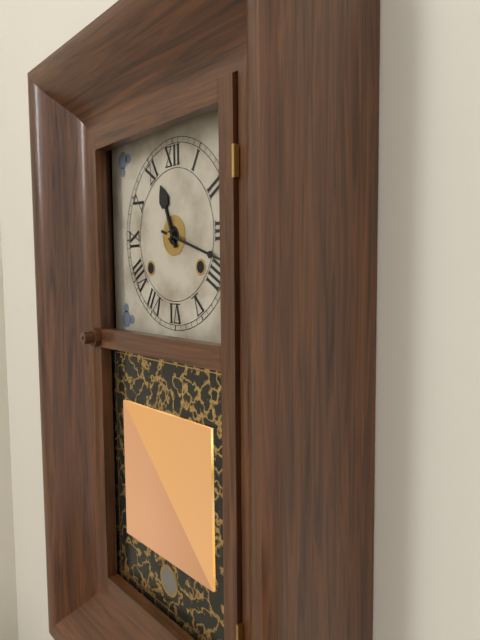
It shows 11h18
